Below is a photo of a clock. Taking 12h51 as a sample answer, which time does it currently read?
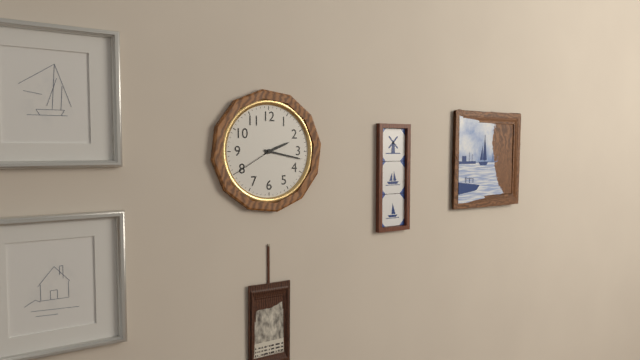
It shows 2h17
